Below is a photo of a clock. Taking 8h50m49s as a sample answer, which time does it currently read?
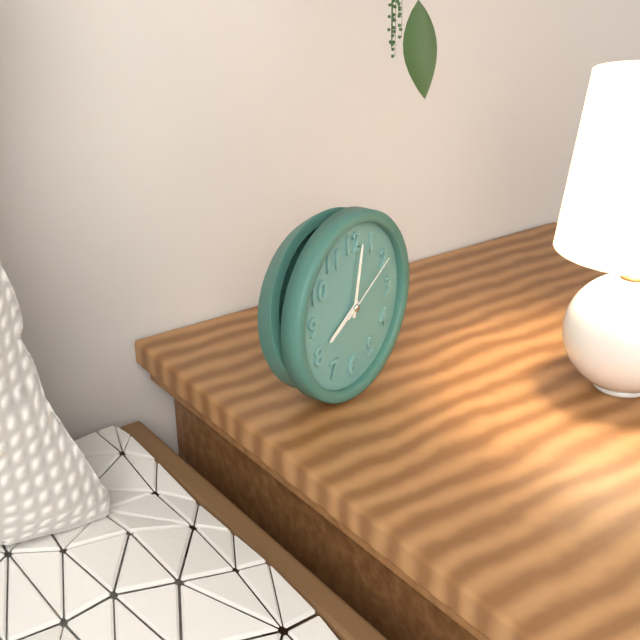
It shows 8h02m10s
